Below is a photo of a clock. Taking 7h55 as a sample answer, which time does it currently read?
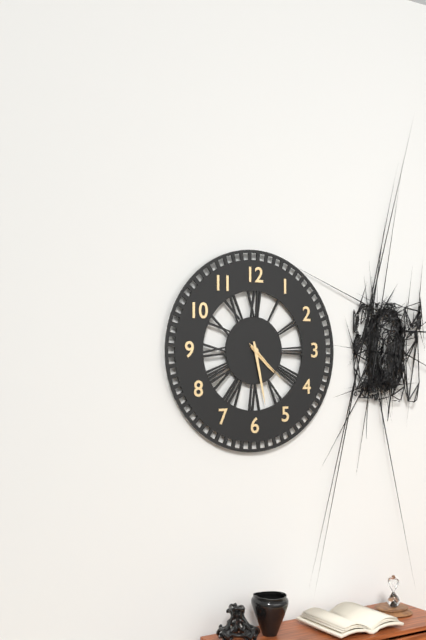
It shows 4h28
